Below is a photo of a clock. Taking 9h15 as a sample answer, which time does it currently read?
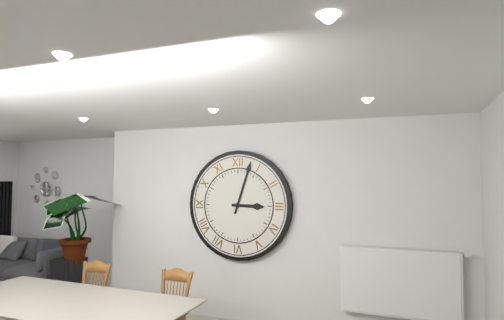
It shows 3h03
